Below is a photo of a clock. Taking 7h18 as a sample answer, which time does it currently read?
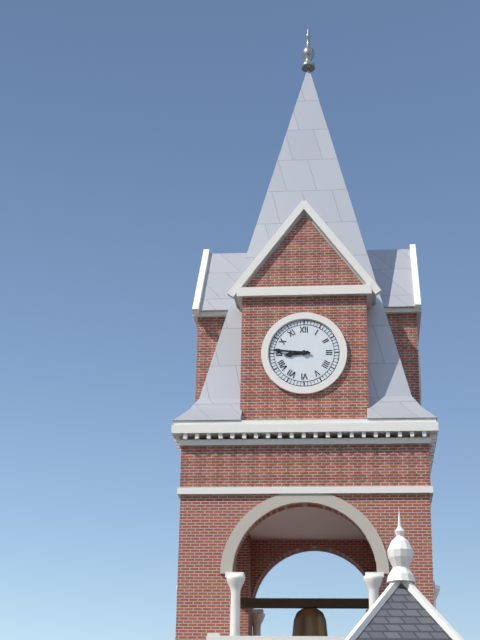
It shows 8h46
